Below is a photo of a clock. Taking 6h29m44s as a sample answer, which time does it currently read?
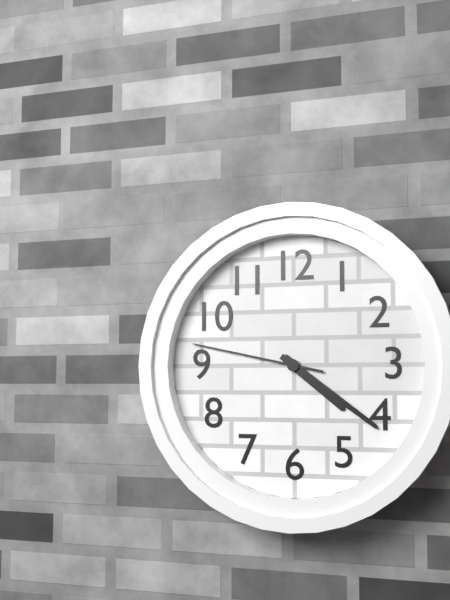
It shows 4h21m47s
